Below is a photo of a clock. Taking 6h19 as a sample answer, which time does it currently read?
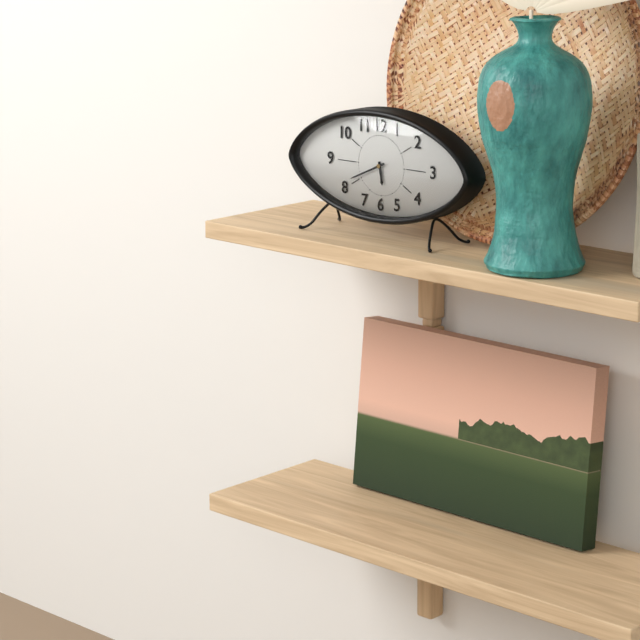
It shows 5h41
